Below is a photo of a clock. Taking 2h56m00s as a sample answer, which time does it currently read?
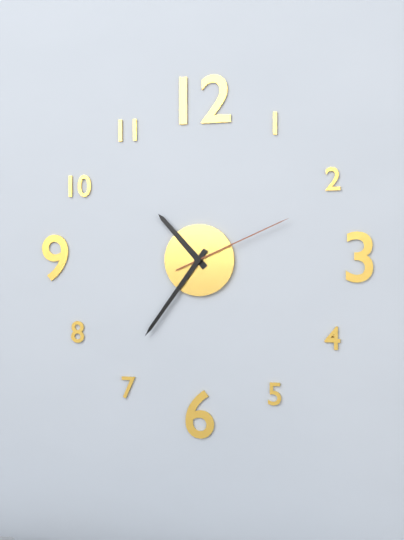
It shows 10h36m11s
